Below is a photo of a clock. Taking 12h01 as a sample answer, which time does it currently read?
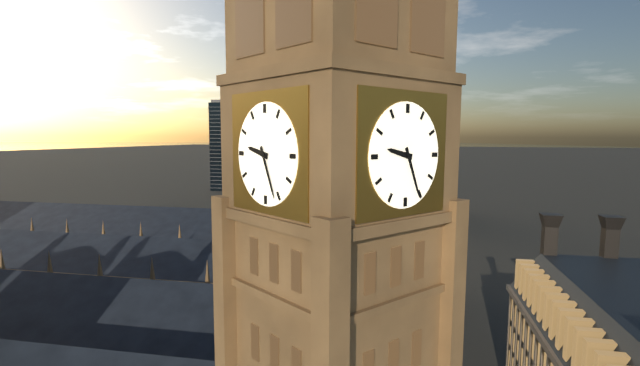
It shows 9h26
